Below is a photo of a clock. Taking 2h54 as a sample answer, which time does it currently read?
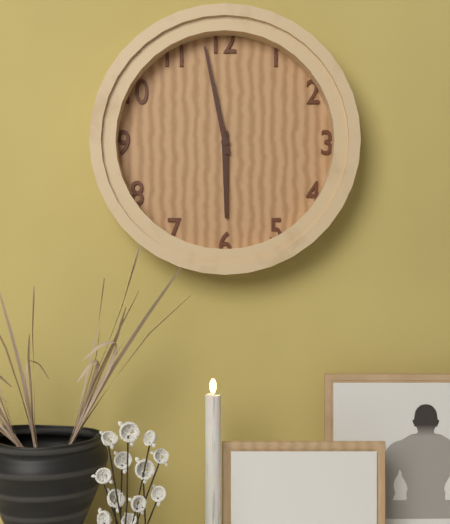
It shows 5h58
